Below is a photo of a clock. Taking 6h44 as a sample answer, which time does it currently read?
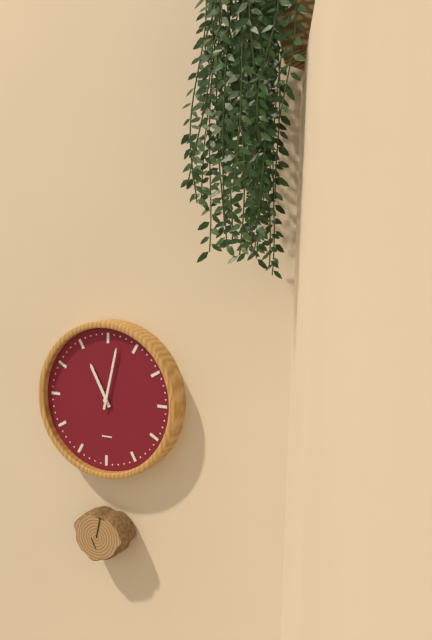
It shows 11h02
